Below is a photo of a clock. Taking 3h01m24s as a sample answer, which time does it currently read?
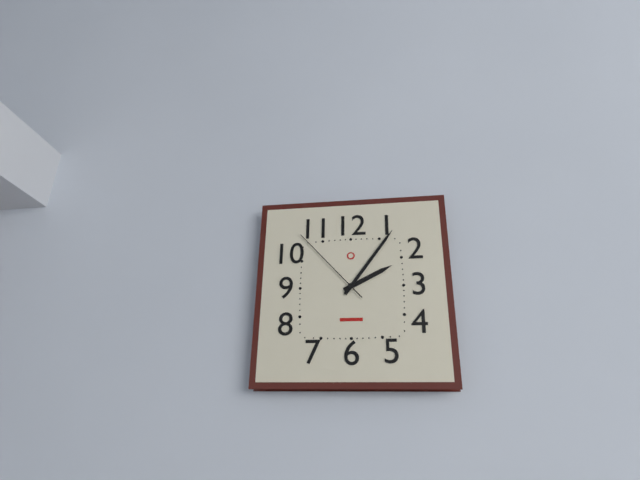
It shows 2h06m53s
